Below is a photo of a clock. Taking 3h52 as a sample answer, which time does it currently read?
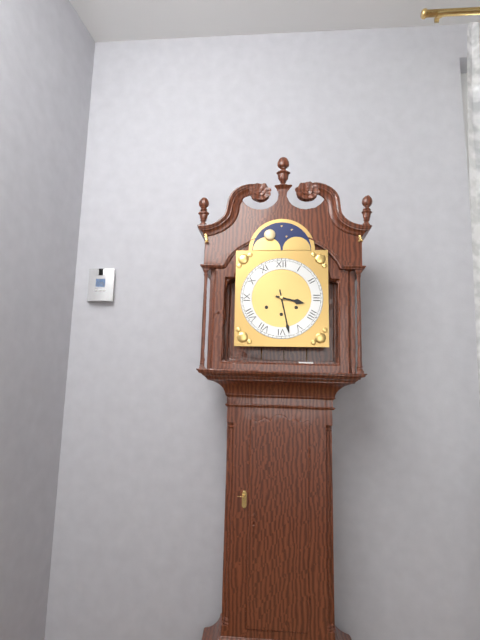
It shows 3h28
